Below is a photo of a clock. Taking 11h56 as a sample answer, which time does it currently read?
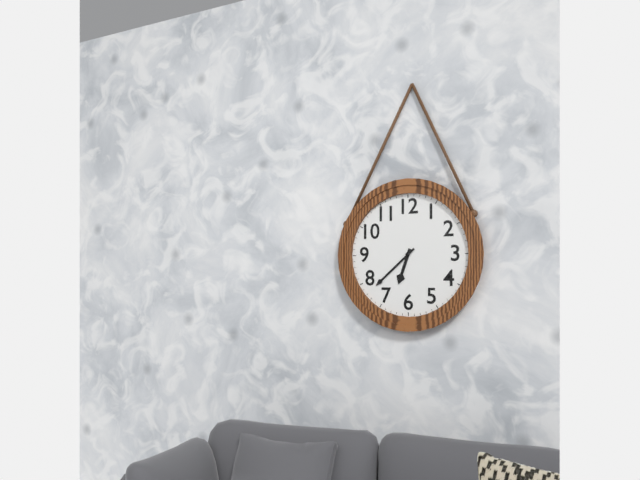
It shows 6h38
